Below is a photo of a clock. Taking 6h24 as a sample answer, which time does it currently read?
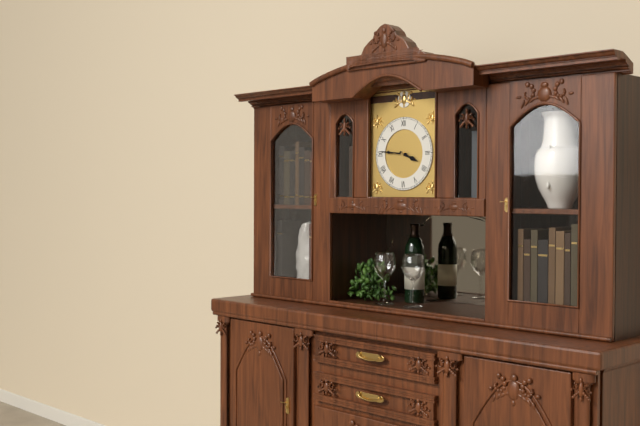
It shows 3h46
